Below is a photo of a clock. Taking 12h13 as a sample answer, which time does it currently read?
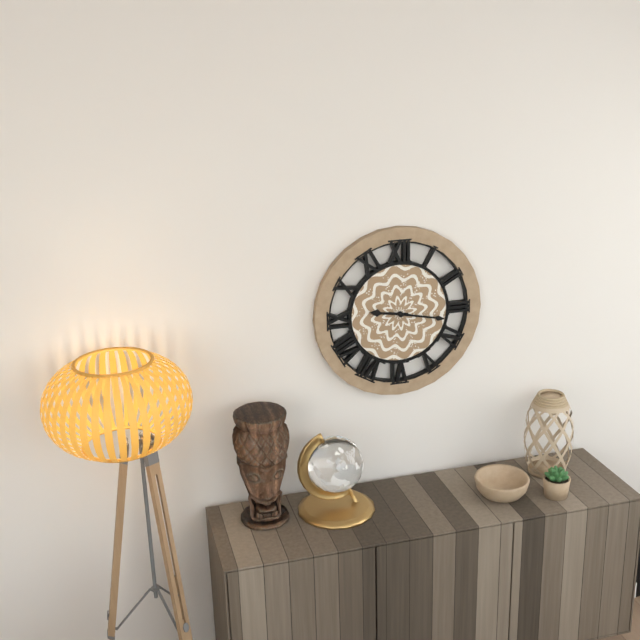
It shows 9h17
